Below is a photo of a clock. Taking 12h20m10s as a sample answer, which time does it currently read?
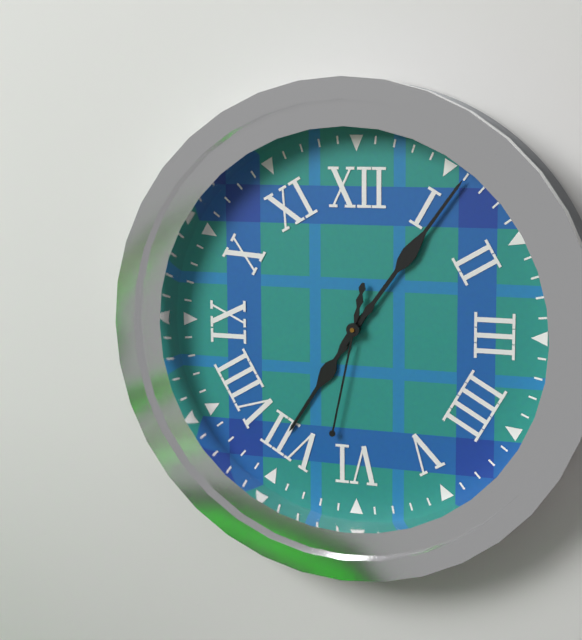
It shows 7h06m32s
